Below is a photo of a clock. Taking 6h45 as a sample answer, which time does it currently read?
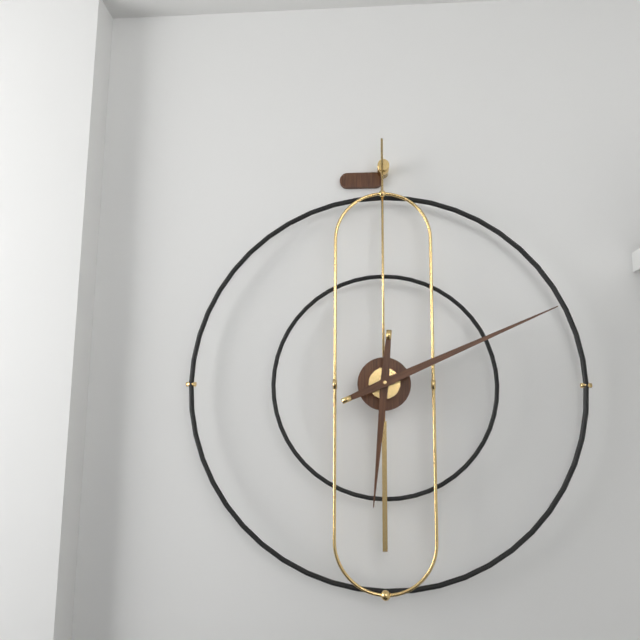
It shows 6h11
